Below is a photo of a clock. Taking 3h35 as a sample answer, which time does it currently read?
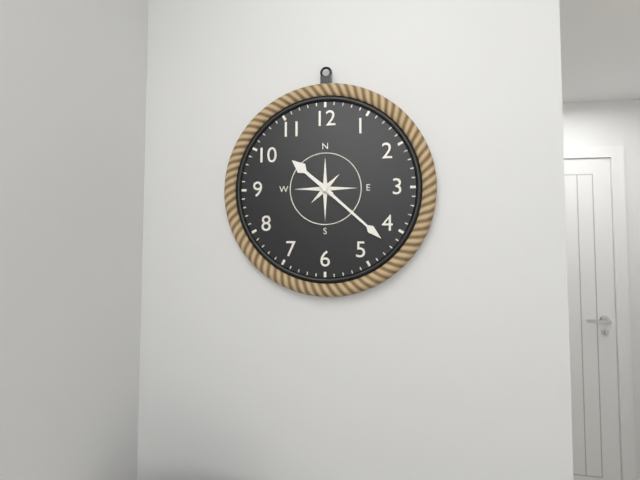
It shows 10h22
